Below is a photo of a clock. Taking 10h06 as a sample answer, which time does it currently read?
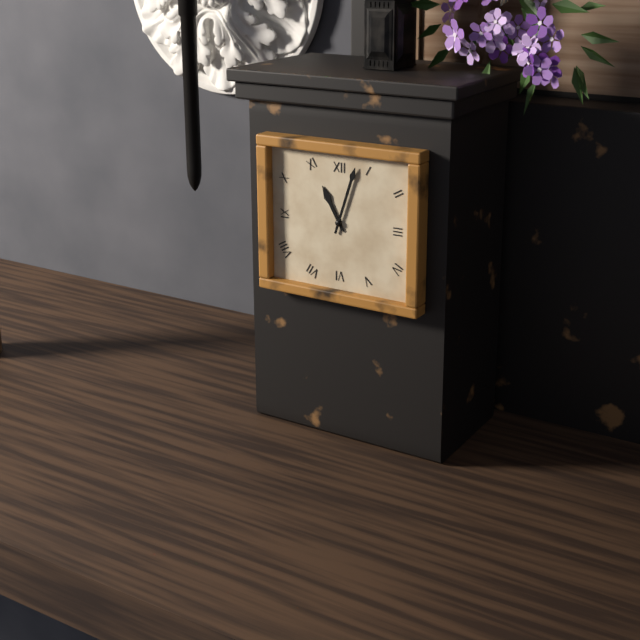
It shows 11h03
